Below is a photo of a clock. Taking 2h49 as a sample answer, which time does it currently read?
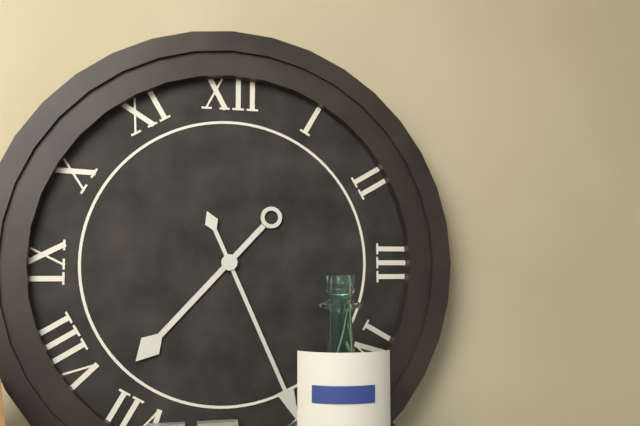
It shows 7h26
